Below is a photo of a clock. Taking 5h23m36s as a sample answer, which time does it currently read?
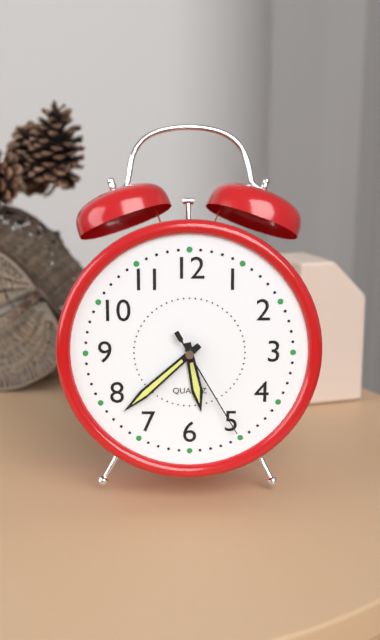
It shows 5h38m25s
